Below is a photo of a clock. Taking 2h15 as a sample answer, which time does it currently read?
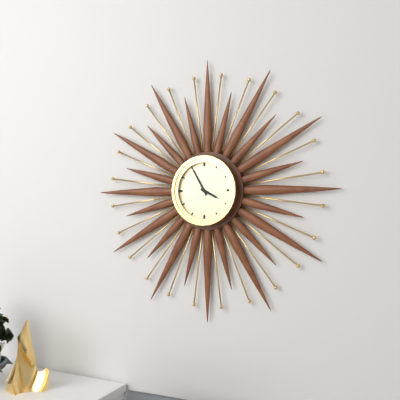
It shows 3h55
